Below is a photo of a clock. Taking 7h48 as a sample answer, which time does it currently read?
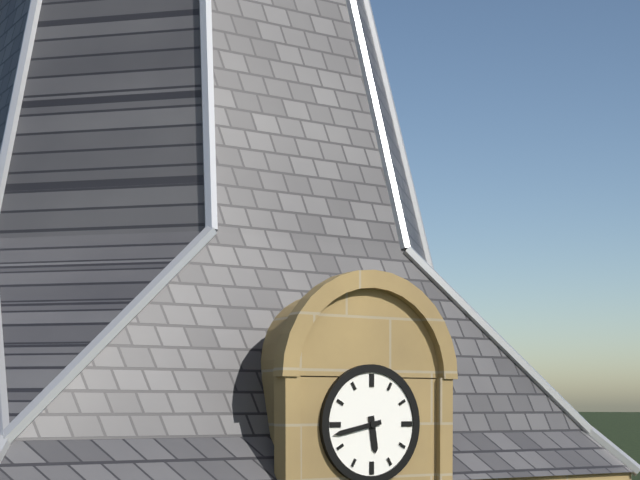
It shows 5h43
